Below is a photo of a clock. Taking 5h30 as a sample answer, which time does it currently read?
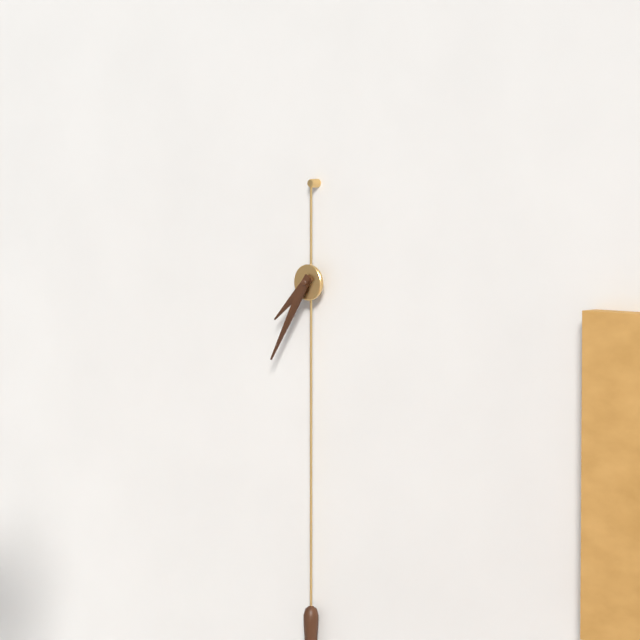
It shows 7h35
